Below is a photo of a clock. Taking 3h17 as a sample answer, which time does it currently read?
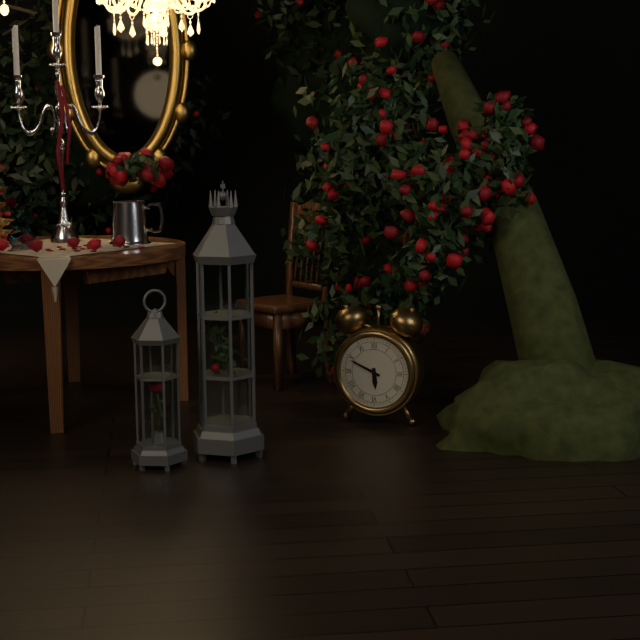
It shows 5h49
